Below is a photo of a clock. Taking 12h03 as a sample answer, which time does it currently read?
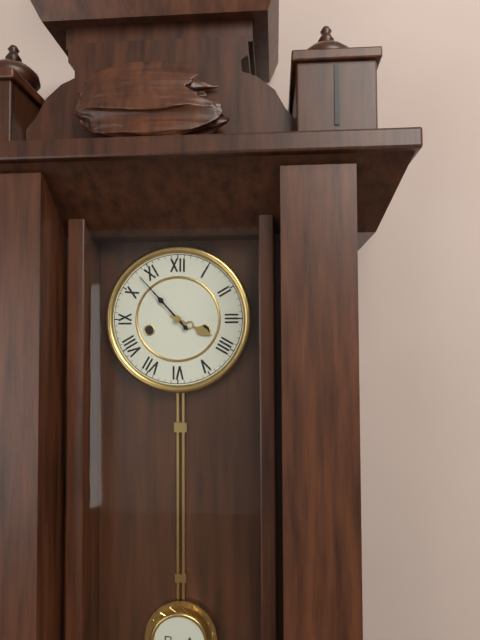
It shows 3h53
